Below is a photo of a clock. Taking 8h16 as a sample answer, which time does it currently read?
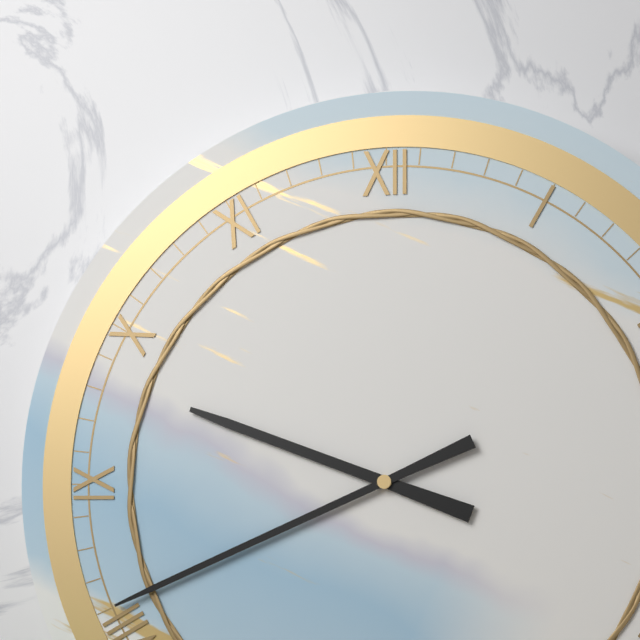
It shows 9h41
